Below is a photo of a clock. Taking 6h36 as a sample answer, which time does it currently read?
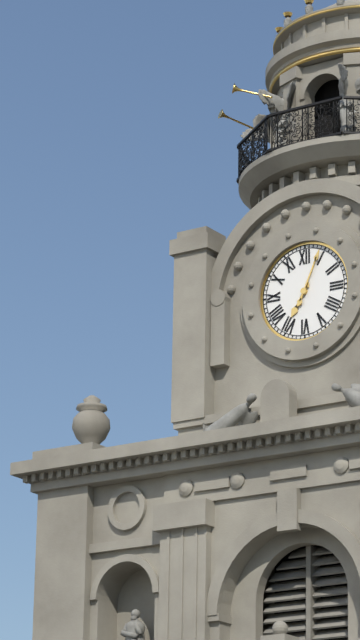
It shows 7h04
